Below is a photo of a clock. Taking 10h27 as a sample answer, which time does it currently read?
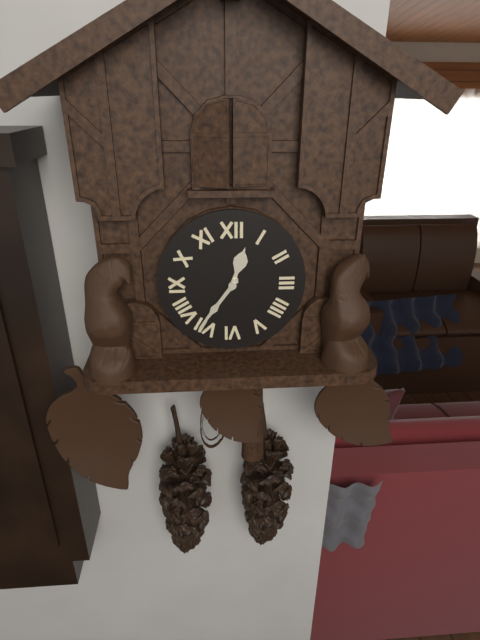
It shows 12h36
